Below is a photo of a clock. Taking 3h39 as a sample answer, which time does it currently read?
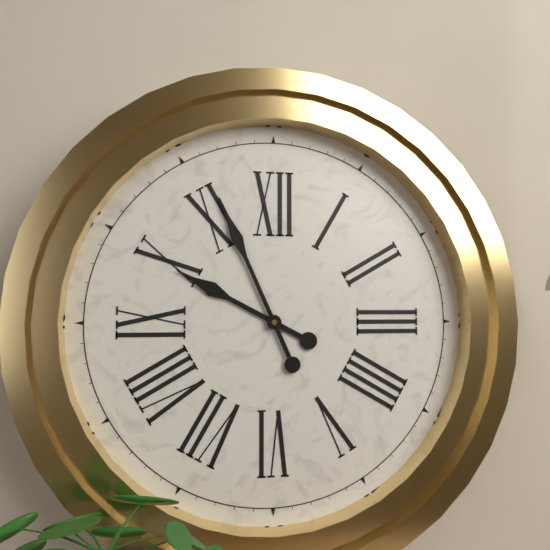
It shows 9h56
